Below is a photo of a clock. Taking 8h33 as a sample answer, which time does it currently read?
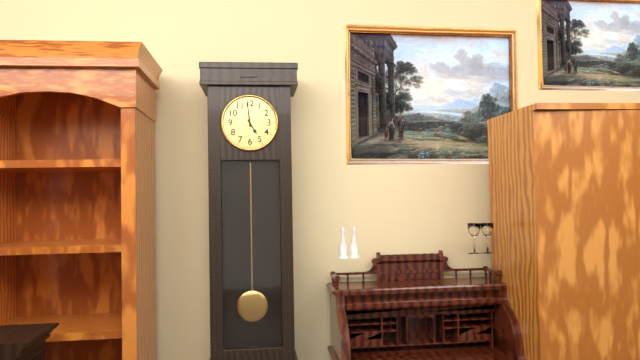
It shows 4h59
